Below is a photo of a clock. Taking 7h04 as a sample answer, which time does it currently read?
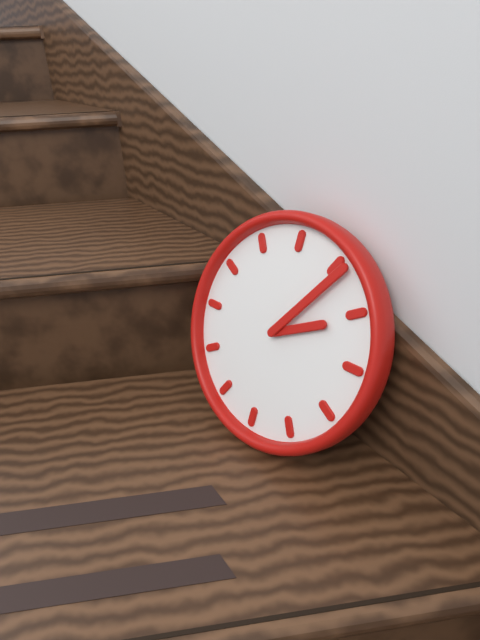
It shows 2h06
